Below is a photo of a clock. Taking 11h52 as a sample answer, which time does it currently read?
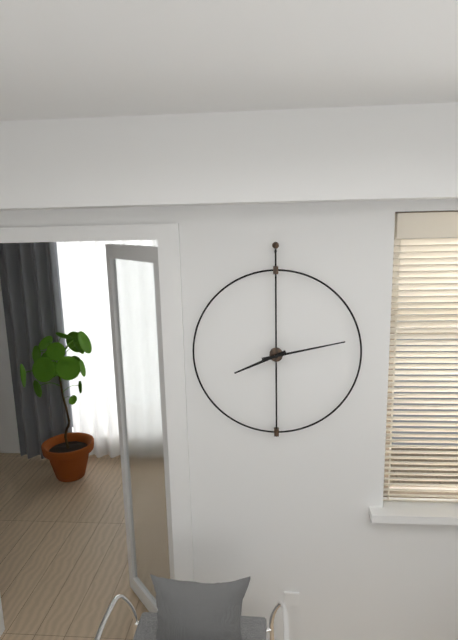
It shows 8h13
